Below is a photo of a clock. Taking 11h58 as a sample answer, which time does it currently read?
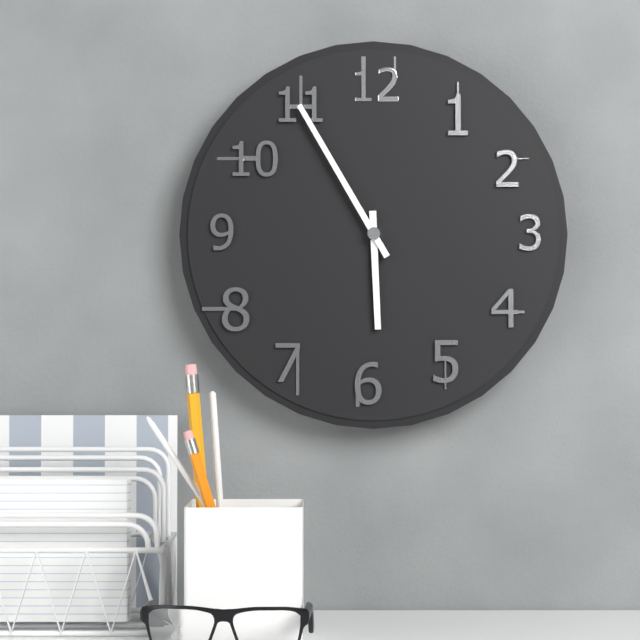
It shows 5h55
